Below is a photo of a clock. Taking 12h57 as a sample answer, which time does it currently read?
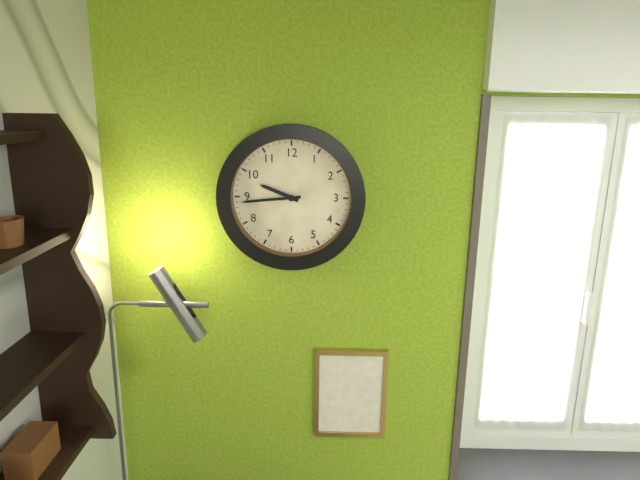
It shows 9h44
